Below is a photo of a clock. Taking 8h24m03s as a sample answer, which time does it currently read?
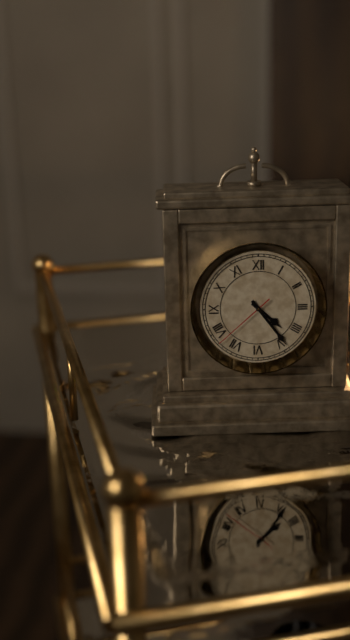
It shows 4h24m38s
